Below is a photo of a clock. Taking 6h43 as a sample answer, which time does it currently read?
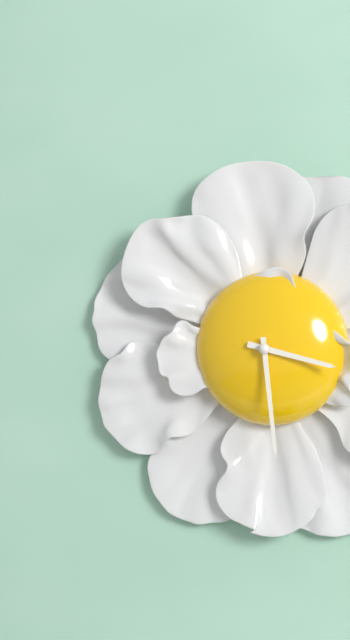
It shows 3h29
